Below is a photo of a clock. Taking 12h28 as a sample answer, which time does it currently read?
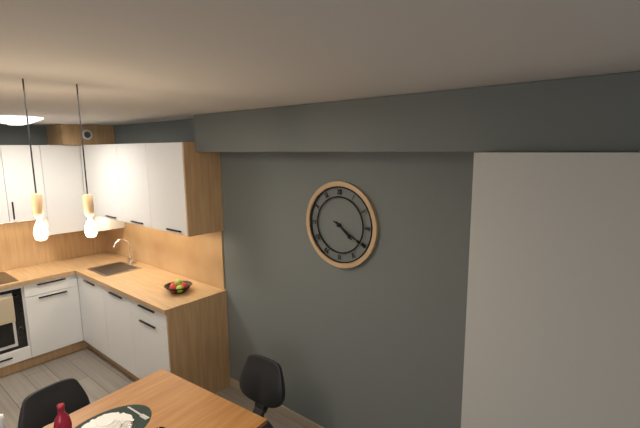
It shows 4h20
